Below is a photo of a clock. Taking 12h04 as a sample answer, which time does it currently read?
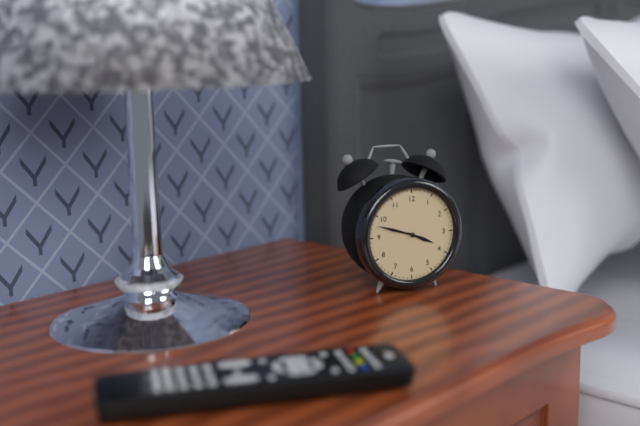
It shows 3h48
